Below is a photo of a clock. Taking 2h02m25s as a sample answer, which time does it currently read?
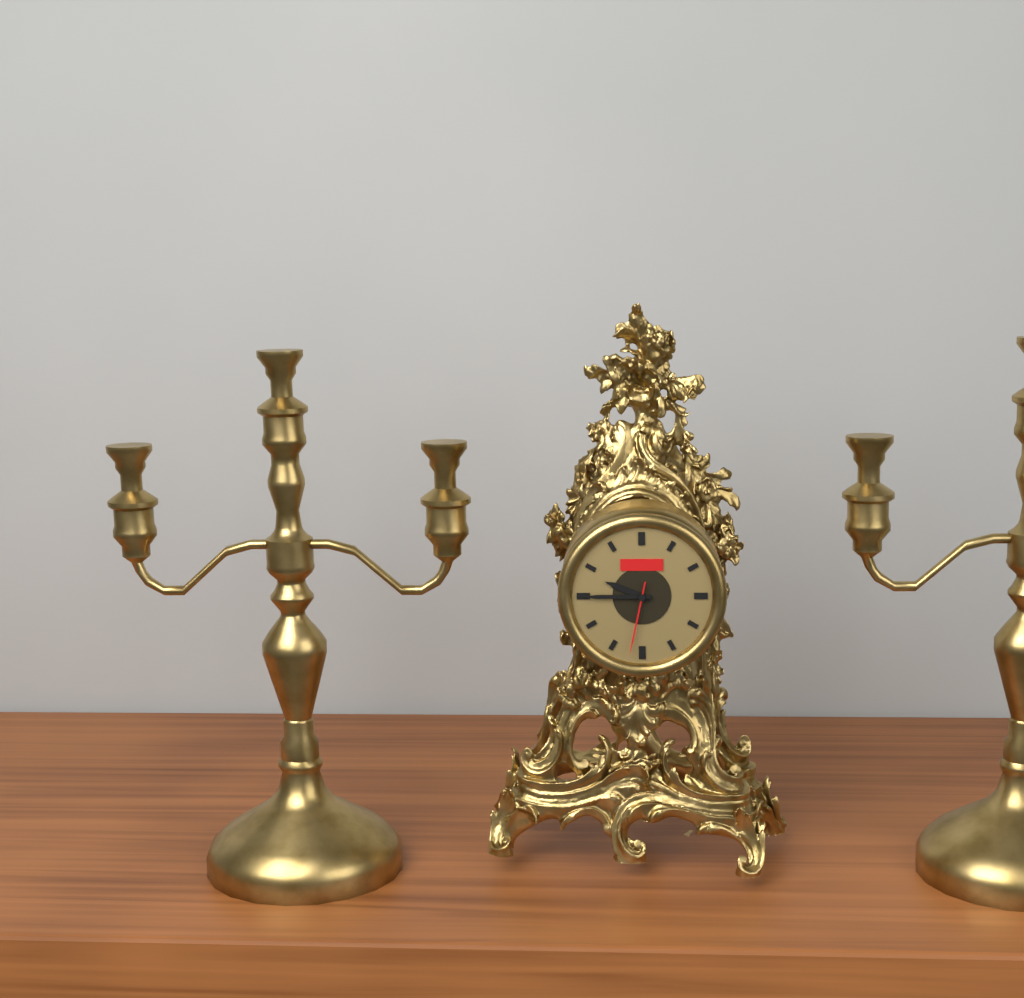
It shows 9h45m32s
